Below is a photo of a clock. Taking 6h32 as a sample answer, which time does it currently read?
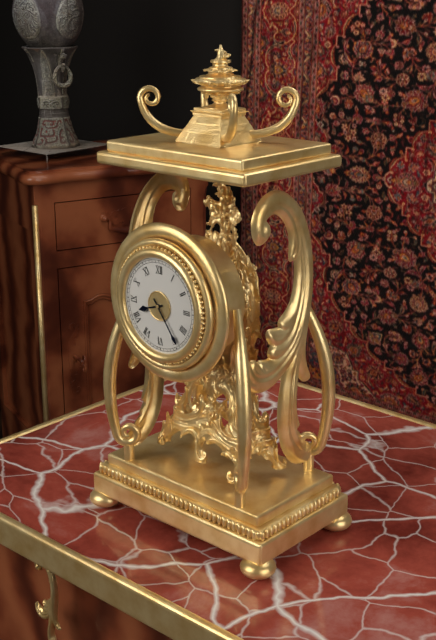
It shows 8h24
